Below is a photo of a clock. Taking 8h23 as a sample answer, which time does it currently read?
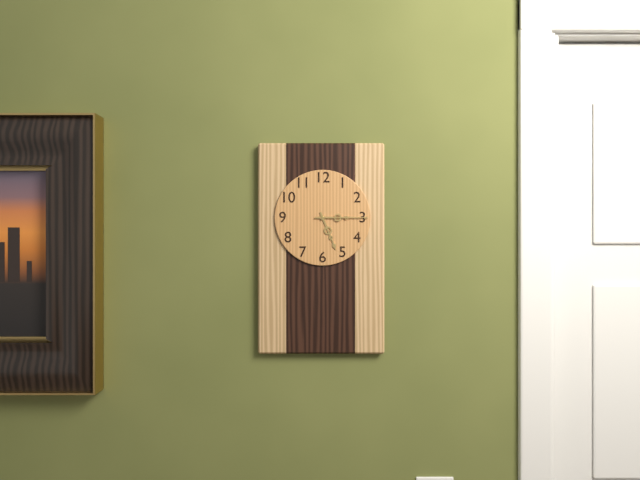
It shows 5h15
